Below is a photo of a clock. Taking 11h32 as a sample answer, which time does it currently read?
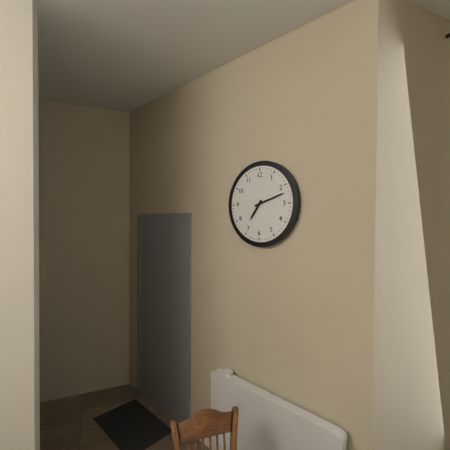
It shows 7h12
